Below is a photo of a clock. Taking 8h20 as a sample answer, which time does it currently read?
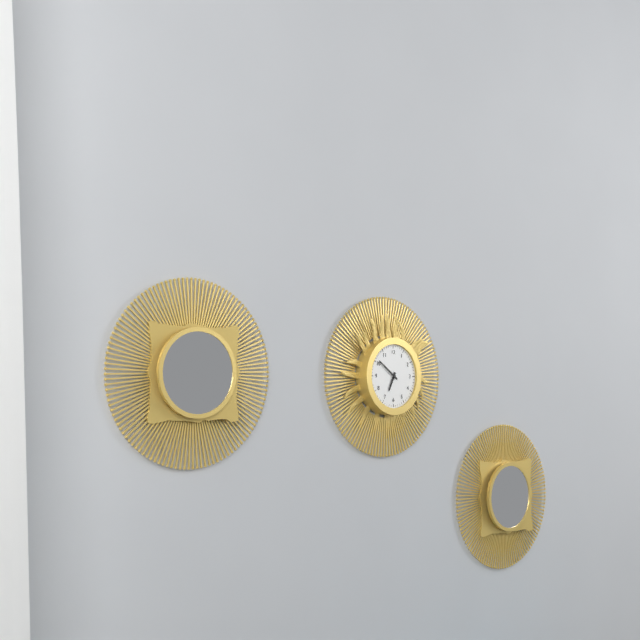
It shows 6h51
